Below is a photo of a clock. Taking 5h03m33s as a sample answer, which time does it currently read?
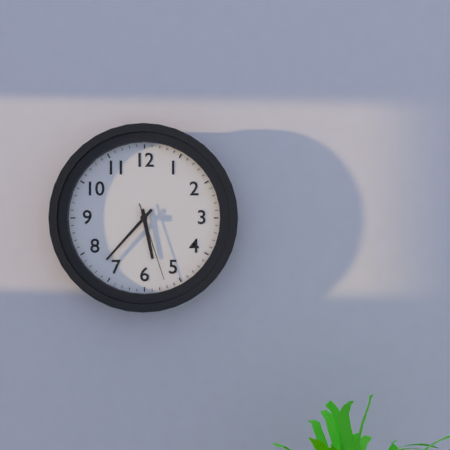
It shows 5h37m27s
